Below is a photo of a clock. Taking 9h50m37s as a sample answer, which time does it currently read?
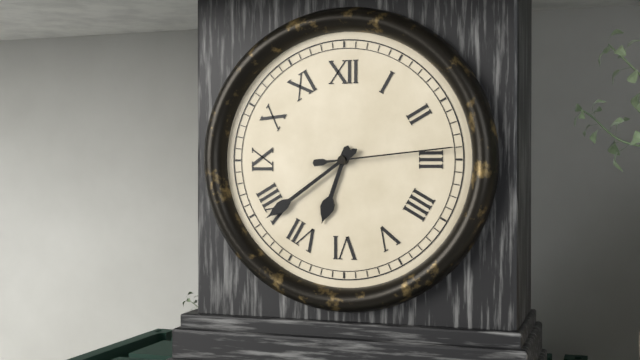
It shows 6h39m14s
